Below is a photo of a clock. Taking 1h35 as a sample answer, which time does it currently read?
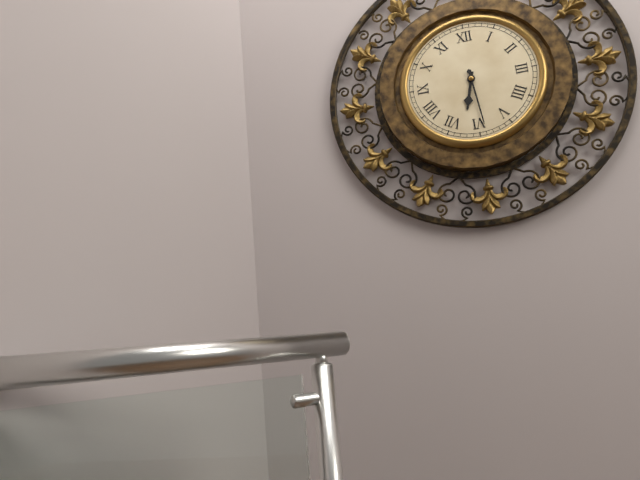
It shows 6h29
